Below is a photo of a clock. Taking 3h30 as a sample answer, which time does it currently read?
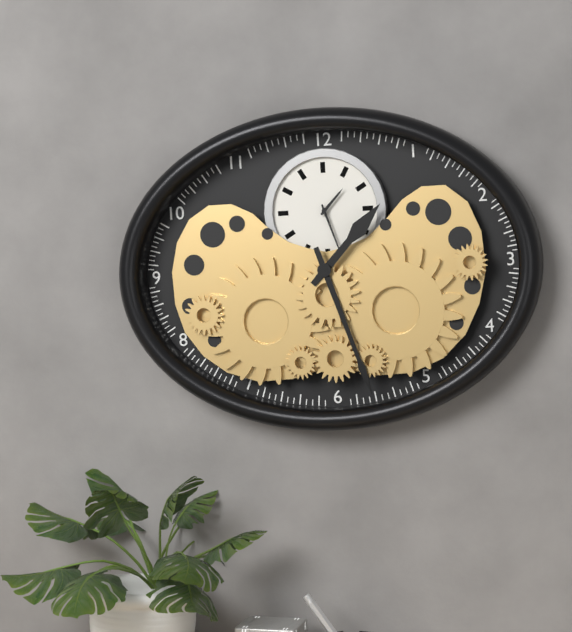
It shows 1h27
